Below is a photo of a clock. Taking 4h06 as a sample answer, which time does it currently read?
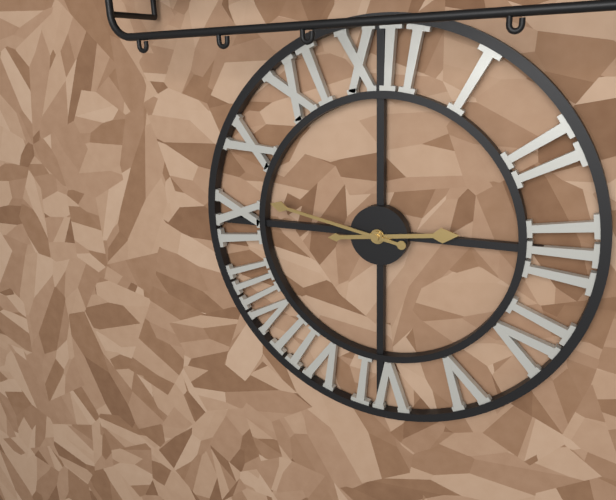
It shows 2h47
